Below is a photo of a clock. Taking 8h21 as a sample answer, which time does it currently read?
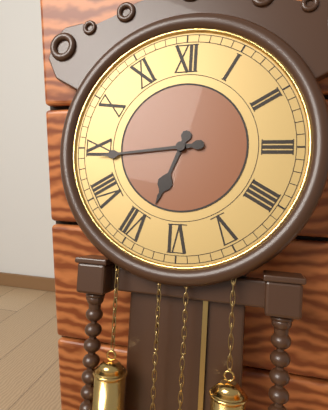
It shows 6h44
